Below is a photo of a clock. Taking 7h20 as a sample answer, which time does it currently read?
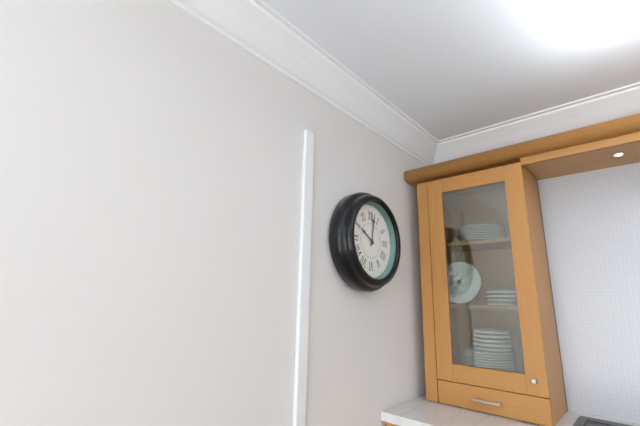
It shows 10h02
